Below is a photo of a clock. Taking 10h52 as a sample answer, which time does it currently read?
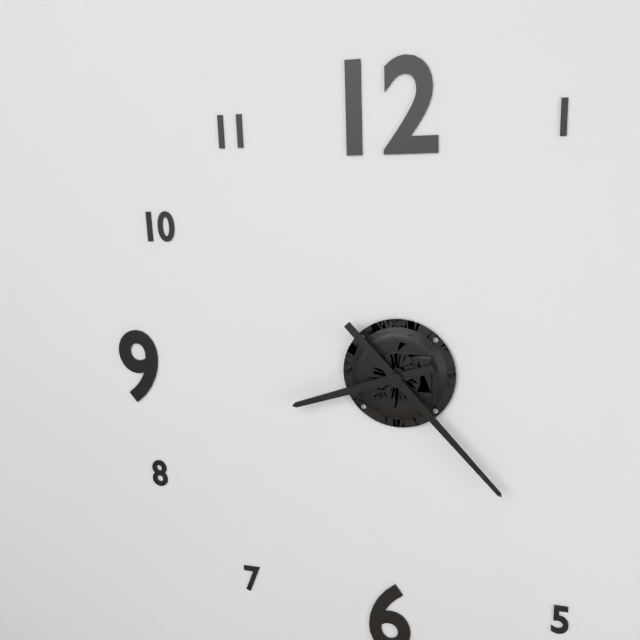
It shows 8h23
